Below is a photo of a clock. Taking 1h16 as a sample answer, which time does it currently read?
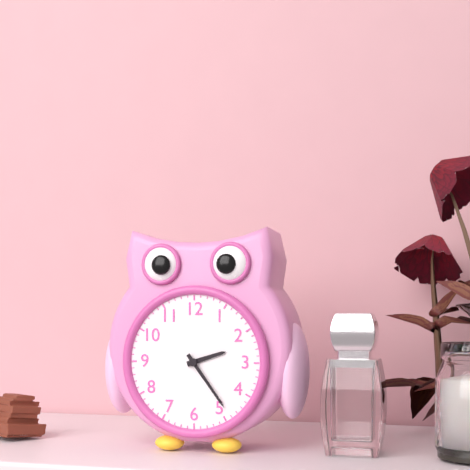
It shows 2h24
